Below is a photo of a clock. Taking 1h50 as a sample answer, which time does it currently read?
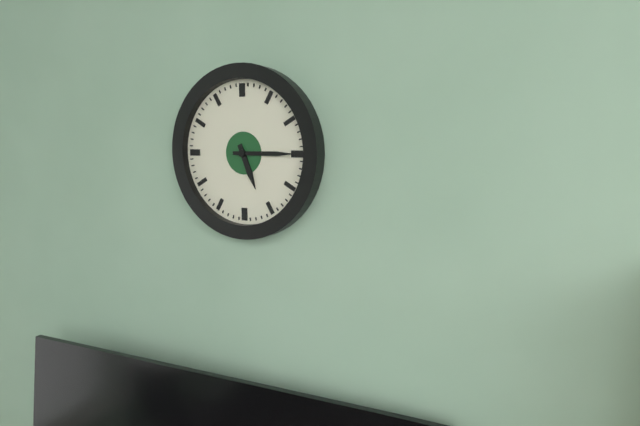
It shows 5h15
